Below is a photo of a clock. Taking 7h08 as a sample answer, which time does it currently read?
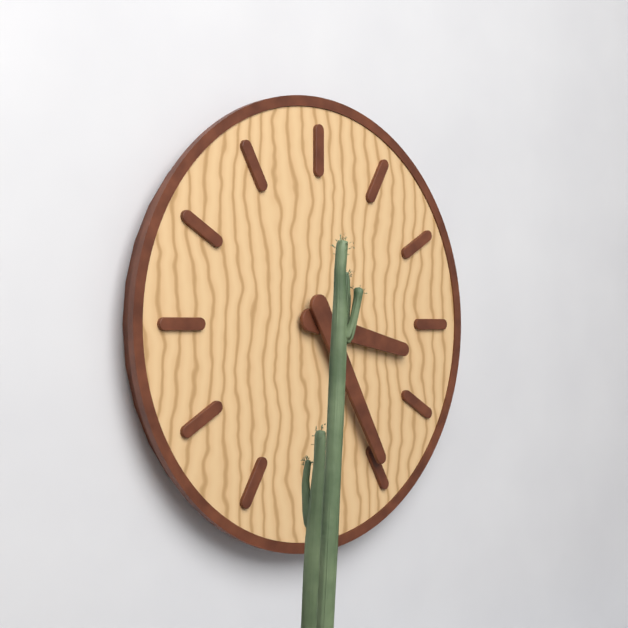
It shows 3h25
